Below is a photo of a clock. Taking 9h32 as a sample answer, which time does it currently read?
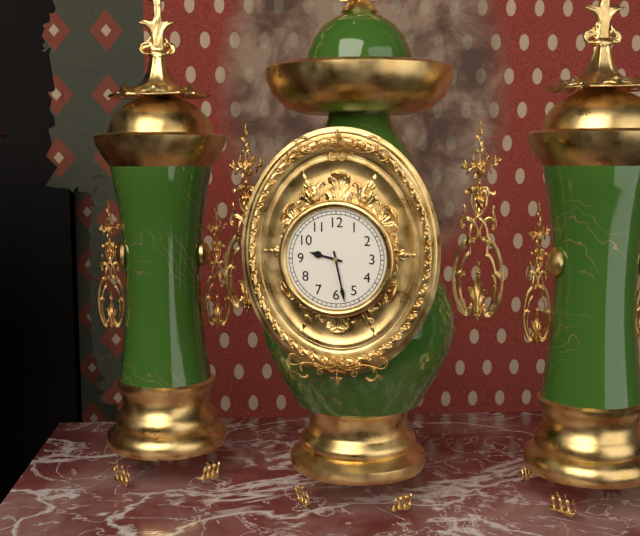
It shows 9h28
